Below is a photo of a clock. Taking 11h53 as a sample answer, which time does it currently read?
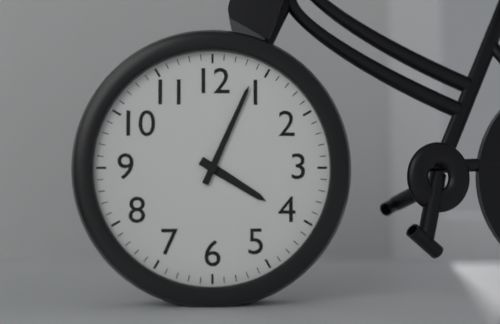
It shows 4h04
